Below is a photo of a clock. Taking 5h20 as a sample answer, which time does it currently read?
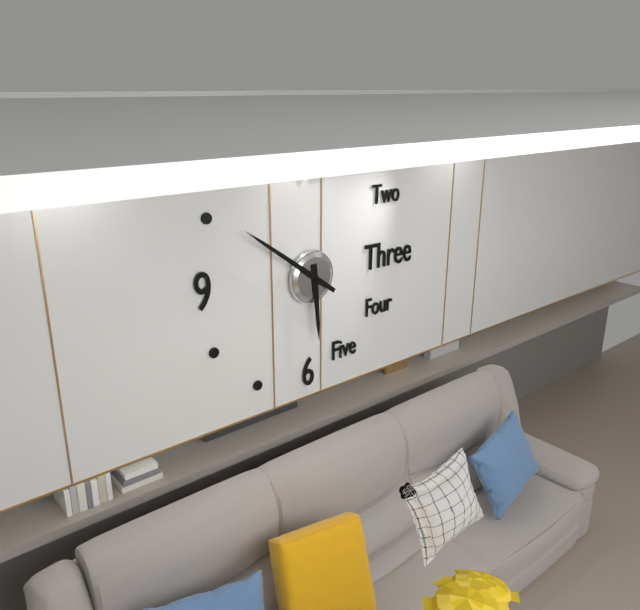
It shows 5h51
